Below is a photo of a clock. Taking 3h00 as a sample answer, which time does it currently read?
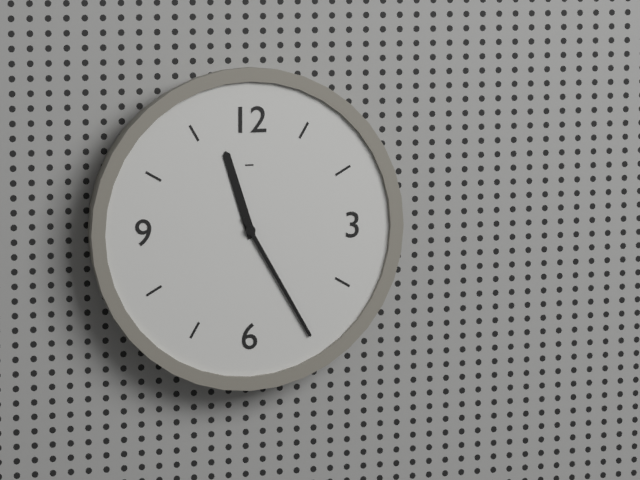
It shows 11h25
